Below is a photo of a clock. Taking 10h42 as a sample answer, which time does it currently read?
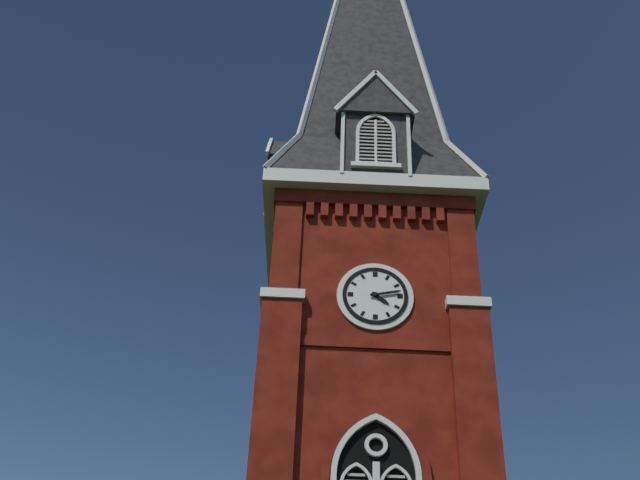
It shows 4h13
